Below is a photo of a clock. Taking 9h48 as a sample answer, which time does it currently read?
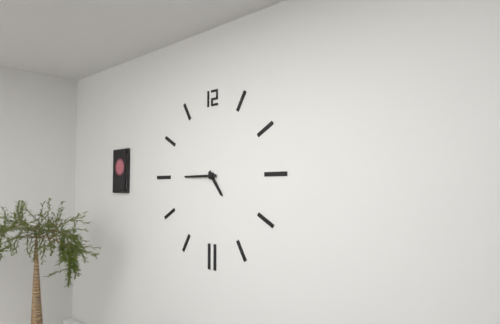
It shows 4h45
